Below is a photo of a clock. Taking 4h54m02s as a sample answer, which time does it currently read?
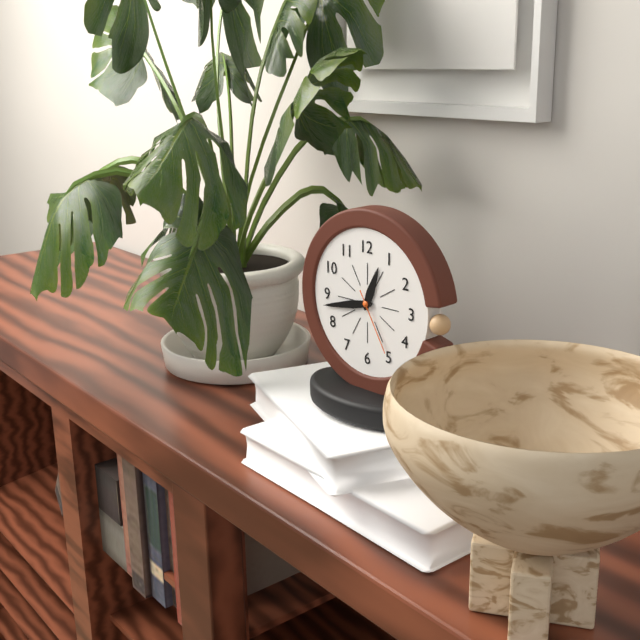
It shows 12h43m25s
